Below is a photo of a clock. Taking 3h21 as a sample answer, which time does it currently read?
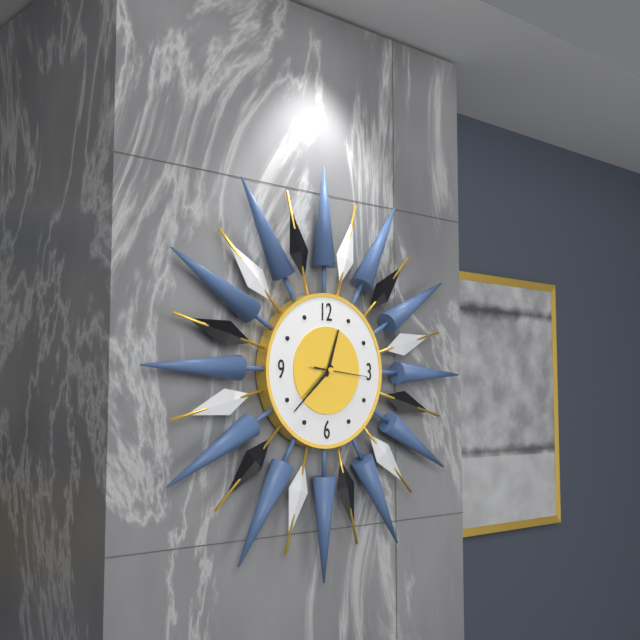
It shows 12h38
